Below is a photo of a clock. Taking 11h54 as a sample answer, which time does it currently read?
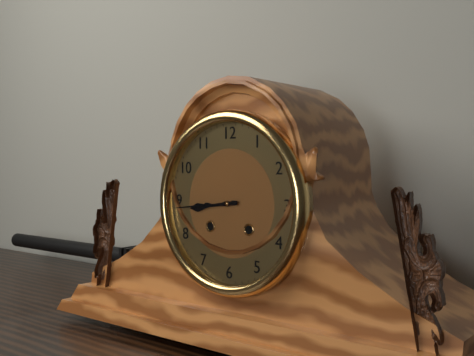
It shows 8h44
